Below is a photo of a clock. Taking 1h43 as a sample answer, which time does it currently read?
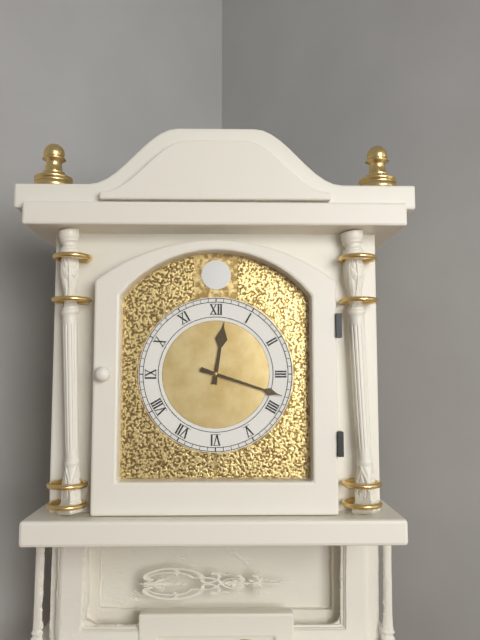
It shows 12h18
